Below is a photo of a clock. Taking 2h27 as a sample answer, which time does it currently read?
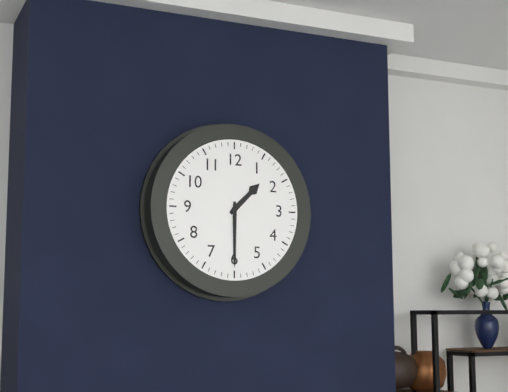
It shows 1h30
